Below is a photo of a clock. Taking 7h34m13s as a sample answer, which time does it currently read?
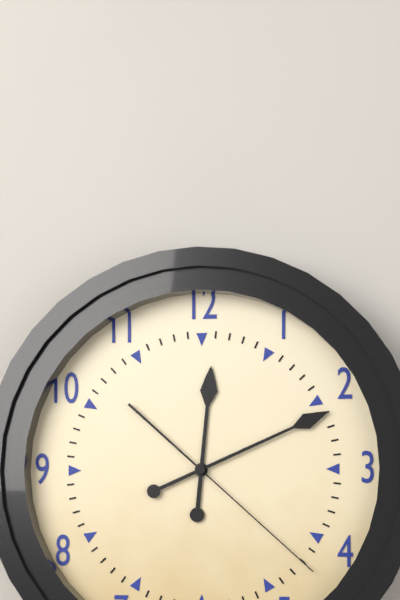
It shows 12h11m22s
